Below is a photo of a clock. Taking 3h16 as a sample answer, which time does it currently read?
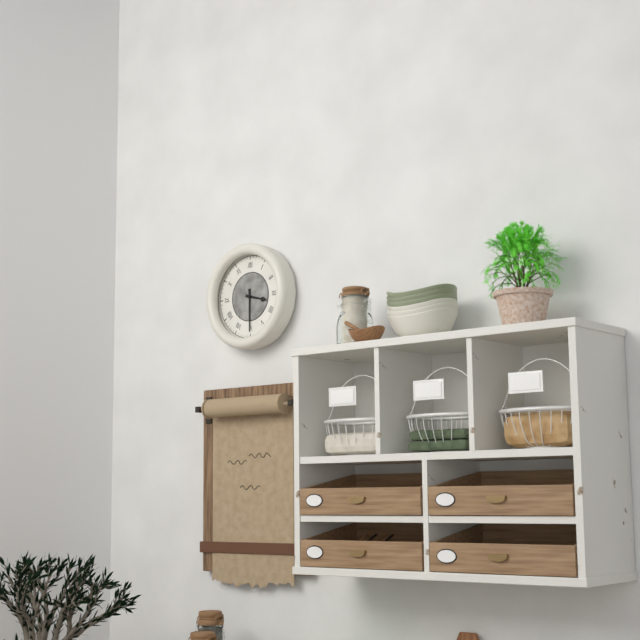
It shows 3h30
